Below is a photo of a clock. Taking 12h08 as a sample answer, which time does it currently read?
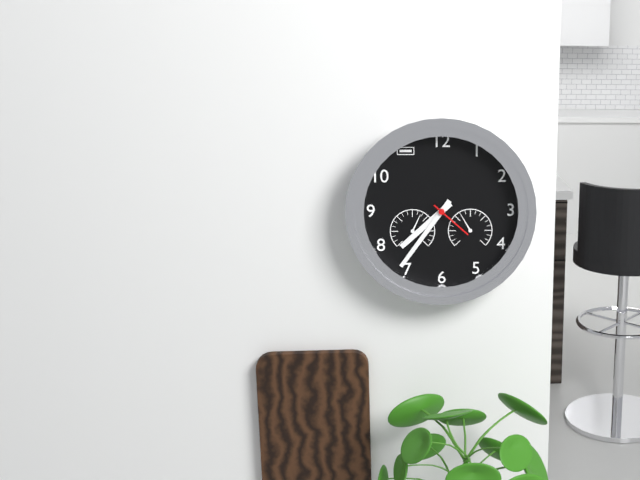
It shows 7h36
